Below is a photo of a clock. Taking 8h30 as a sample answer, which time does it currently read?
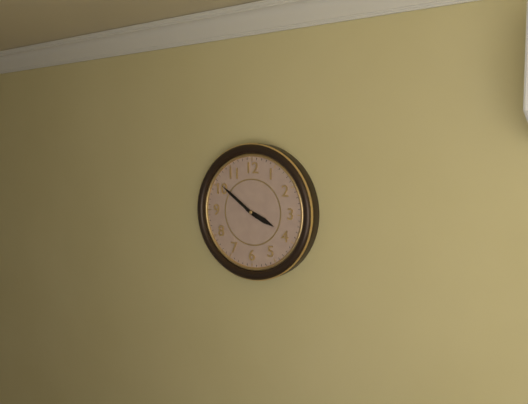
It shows 3h51
